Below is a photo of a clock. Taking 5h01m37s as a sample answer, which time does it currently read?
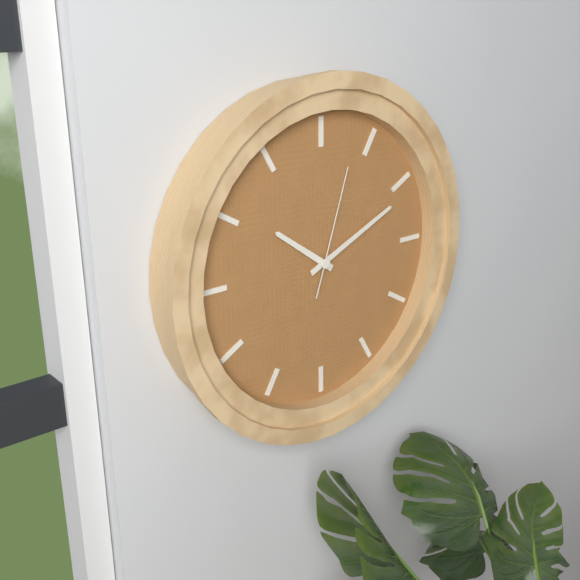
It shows 10h11m03s
